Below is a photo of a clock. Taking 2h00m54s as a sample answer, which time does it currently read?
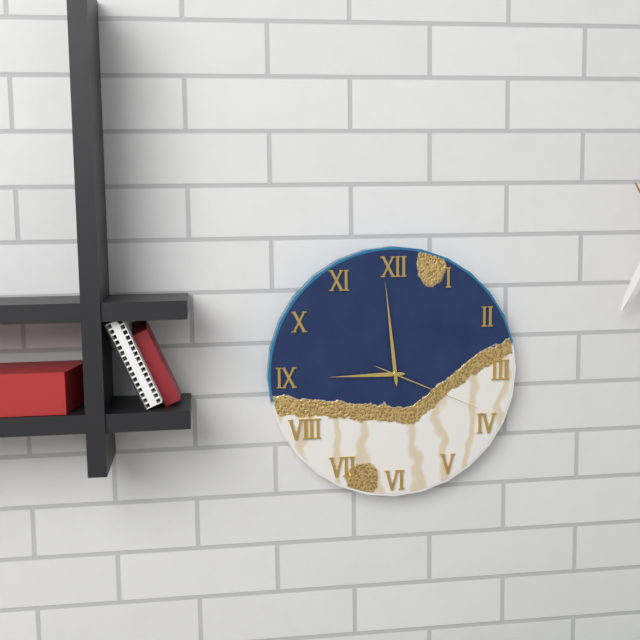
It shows 8h59m19s
